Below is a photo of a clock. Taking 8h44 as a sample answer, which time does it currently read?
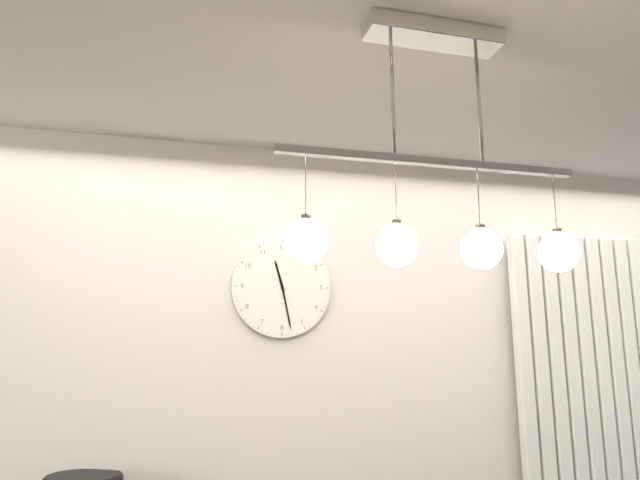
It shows 11h28
